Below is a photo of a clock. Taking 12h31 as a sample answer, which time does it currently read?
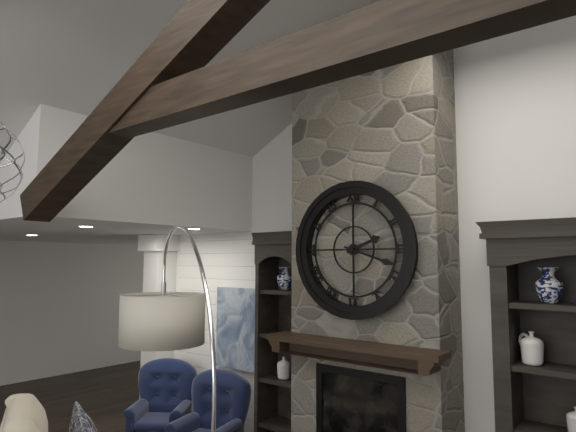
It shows 2h18
